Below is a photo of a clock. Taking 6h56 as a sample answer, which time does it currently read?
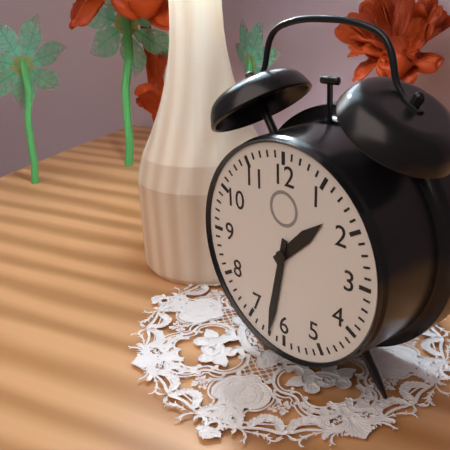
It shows 1h32
